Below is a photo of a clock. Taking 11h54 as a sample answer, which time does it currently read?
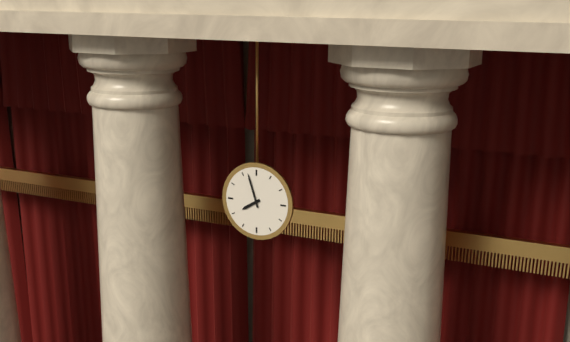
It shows 7h57
